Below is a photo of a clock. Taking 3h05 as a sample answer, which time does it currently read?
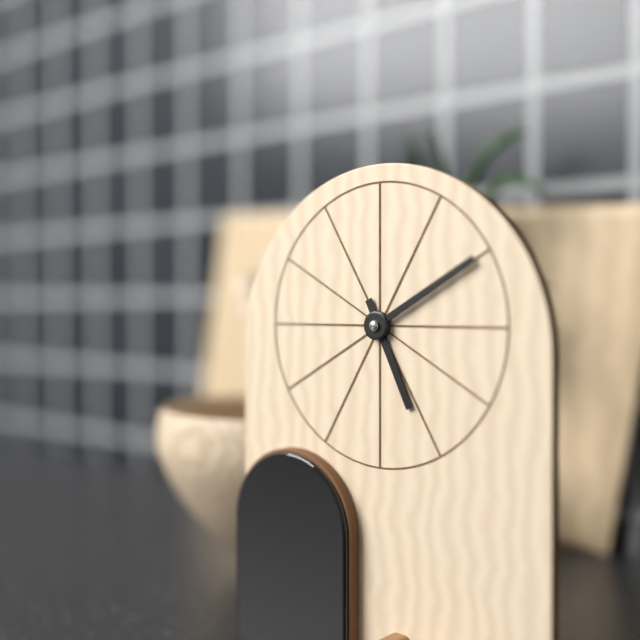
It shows 5h10
